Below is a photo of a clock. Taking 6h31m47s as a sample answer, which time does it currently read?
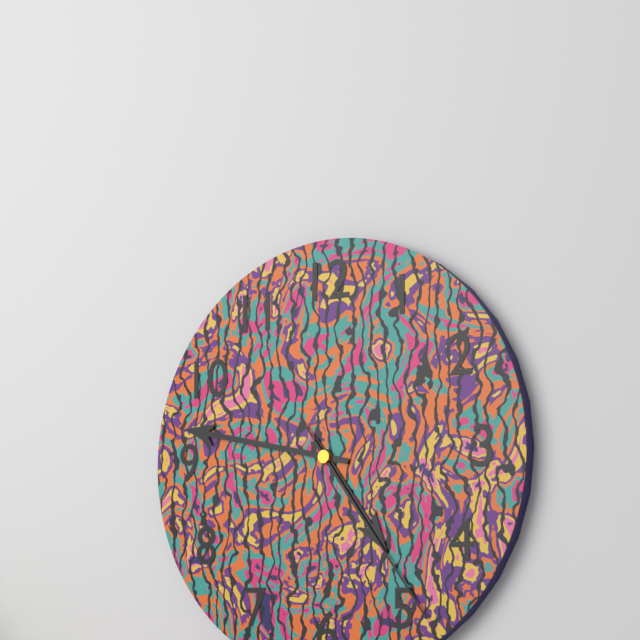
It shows 4h47m24s
